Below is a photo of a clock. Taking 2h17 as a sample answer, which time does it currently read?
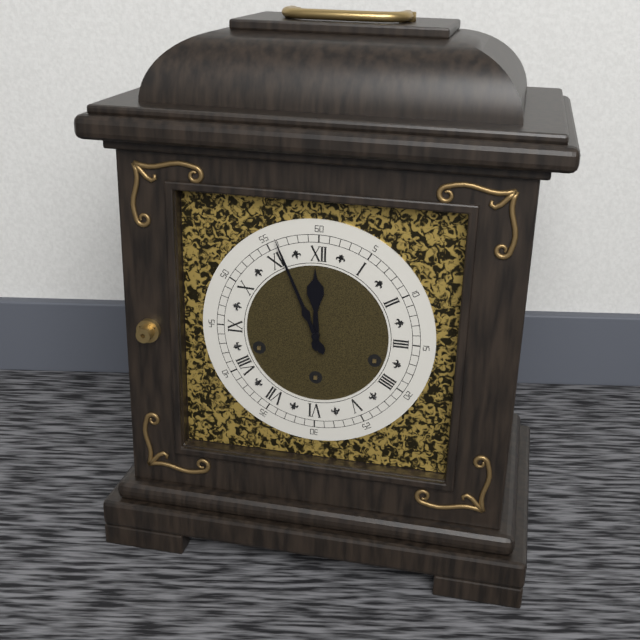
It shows 11h56
